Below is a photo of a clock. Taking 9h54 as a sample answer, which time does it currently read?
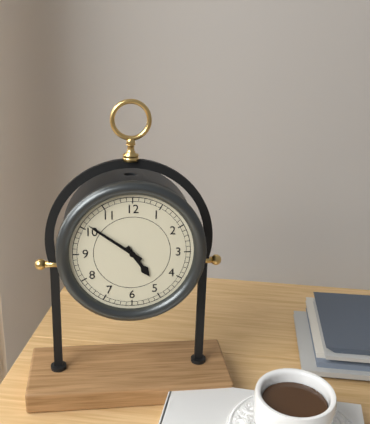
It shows 4h51
